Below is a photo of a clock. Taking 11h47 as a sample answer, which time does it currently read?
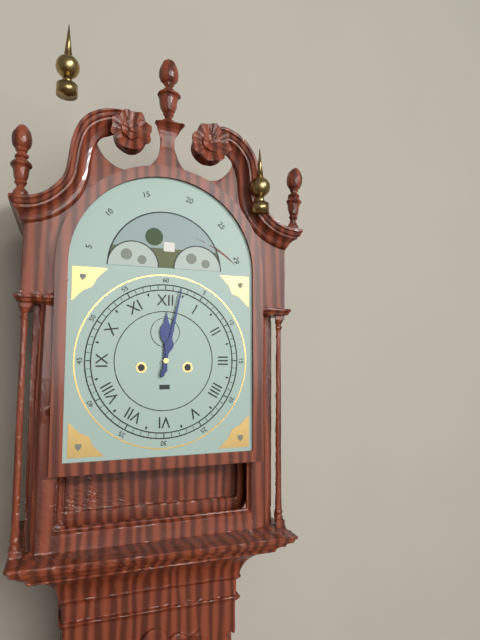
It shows 12h02
